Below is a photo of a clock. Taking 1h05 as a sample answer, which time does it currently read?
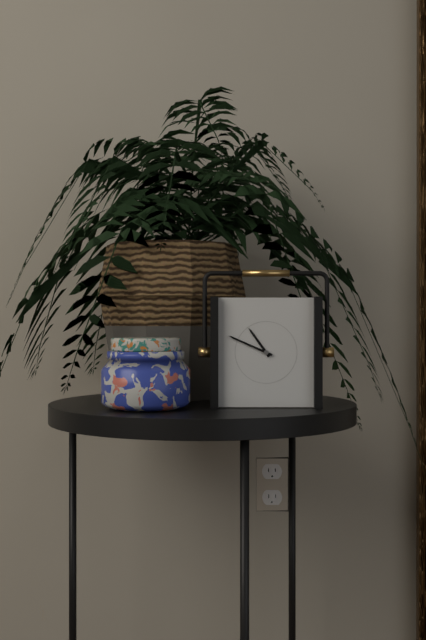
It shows 10h49
